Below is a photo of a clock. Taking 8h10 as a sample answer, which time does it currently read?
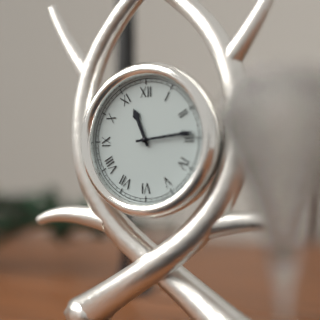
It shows 11h14
